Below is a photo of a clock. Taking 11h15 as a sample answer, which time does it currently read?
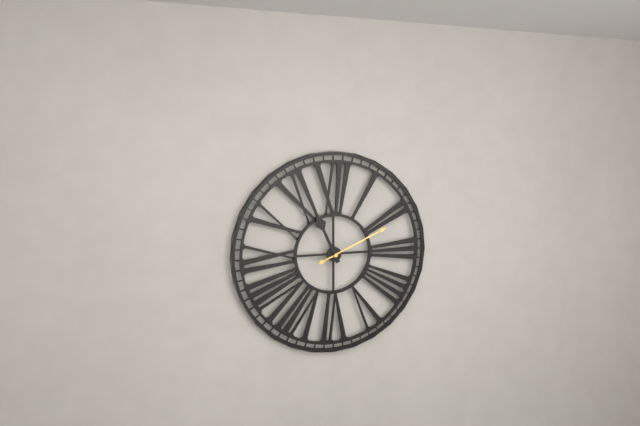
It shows 11h11
